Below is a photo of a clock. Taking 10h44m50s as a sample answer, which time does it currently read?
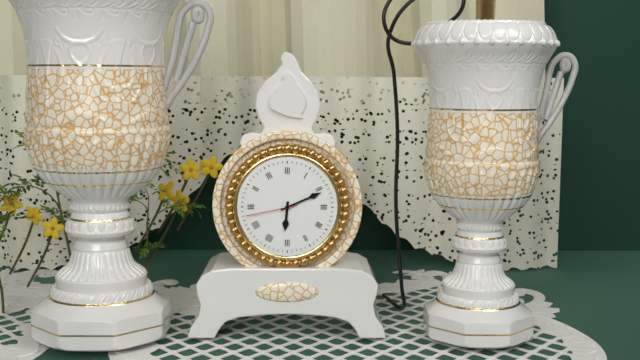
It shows 6h11m43s
